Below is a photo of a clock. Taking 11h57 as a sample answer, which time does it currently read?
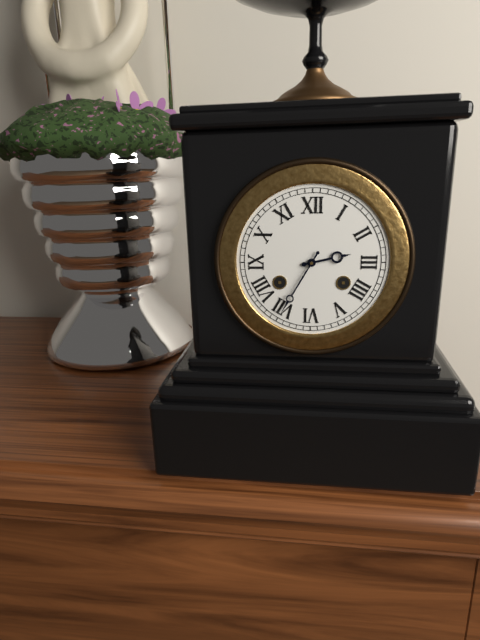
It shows 2h35
